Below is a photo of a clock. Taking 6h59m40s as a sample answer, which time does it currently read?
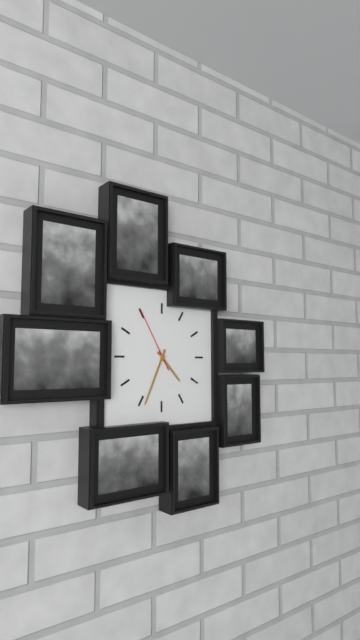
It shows 4h34m55s
